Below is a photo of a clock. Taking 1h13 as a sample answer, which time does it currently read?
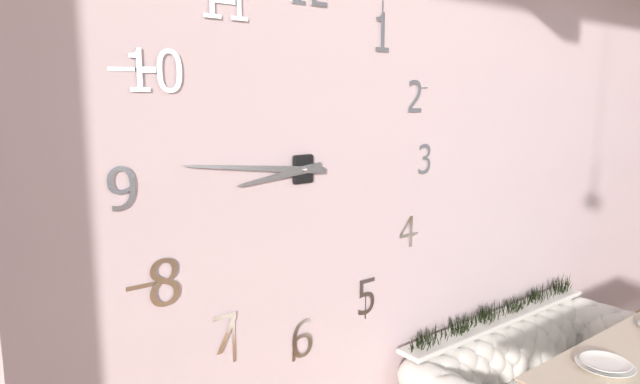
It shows 8h46
